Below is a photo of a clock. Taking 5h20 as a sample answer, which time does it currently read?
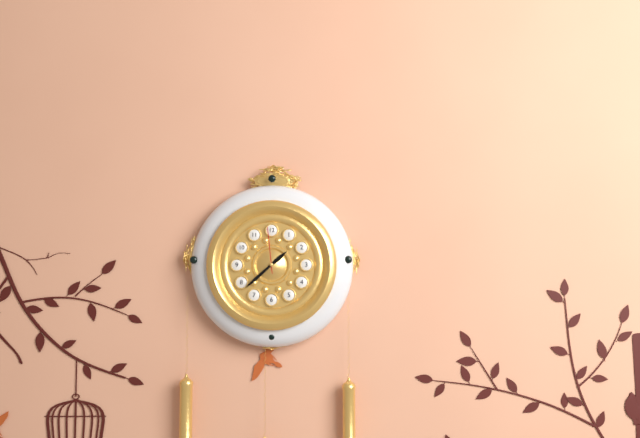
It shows 1h38
